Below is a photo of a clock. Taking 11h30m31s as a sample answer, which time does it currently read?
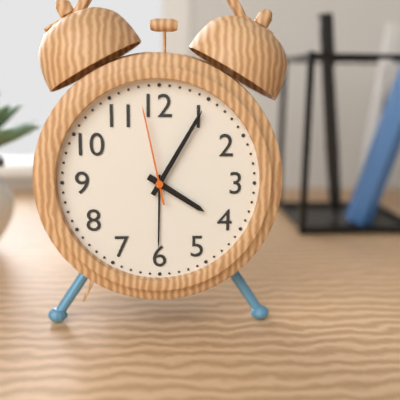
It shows 4h05m58s
